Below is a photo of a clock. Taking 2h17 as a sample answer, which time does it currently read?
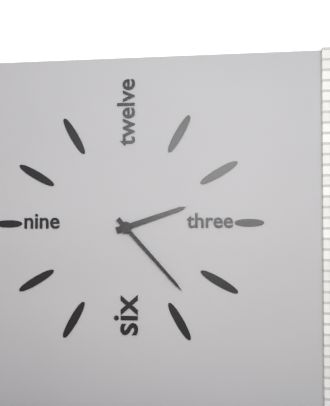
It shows 2h23
